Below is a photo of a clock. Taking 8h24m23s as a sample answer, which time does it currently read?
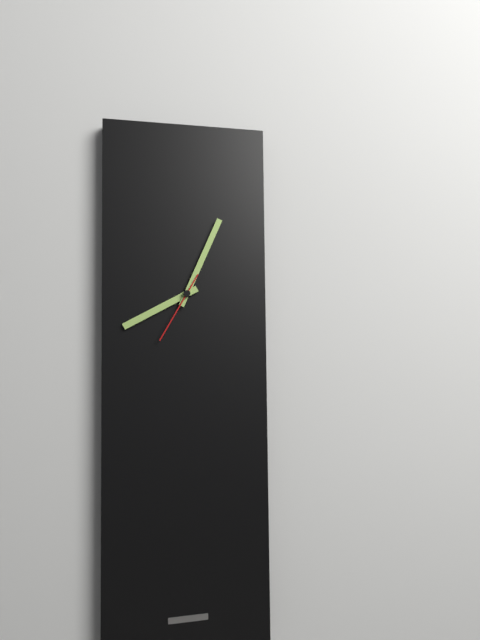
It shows 8h04m35s
